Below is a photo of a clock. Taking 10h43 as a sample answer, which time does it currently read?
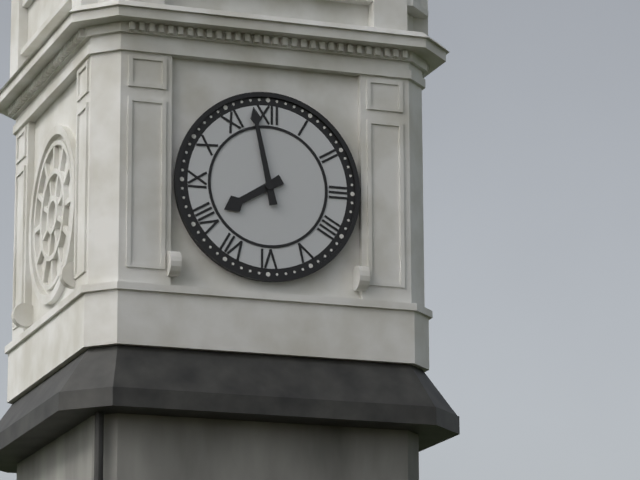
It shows 7h58
